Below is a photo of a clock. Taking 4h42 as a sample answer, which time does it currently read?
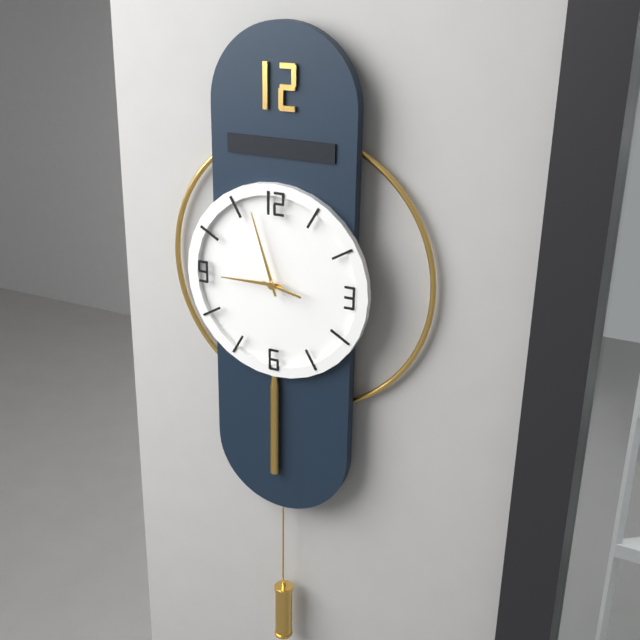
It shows 8h57
